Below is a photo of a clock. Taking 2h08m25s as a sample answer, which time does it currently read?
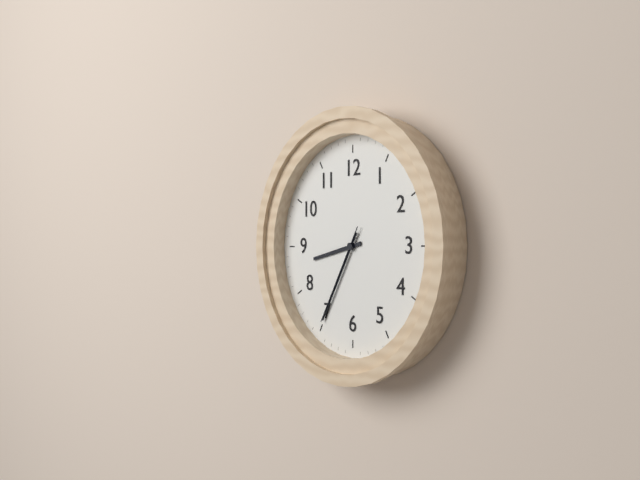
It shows 8h35m35s
